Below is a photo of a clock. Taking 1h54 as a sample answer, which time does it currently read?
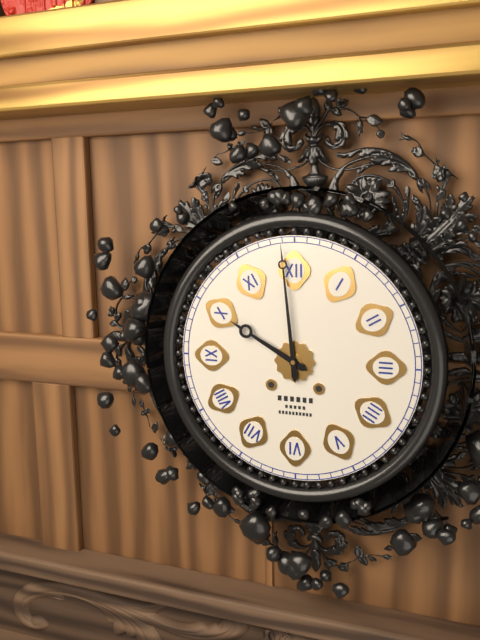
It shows 9h59
